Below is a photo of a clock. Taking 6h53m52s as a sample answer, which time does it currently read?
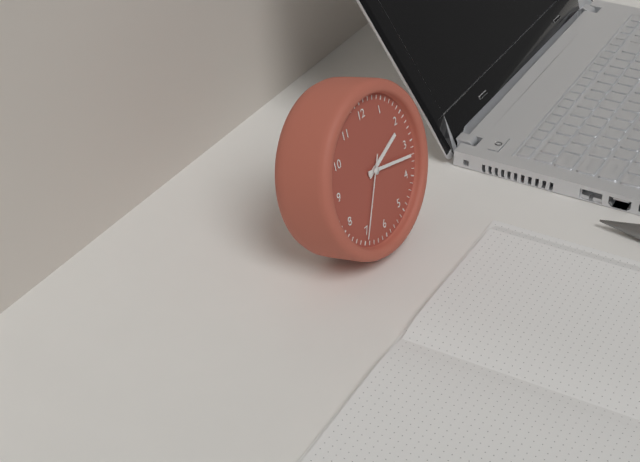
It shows 2h17m35s
